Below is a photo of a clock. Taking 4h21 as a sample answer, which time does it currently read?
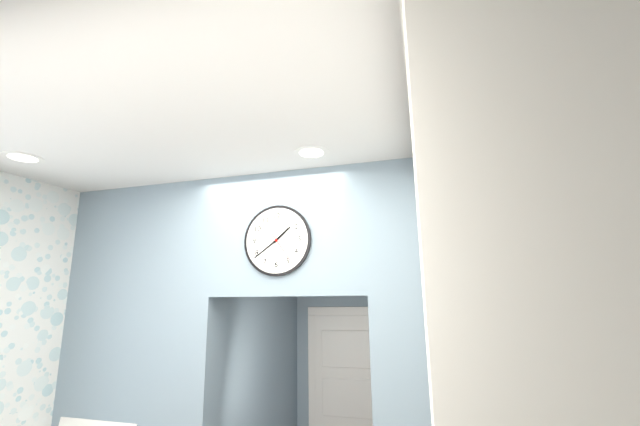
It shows 1h39
